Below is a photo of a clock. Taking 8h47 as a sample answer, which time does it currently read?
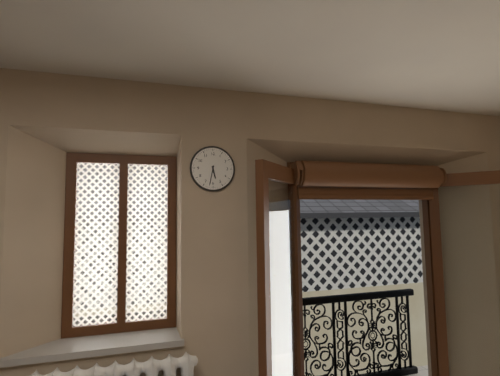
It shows 5h32
